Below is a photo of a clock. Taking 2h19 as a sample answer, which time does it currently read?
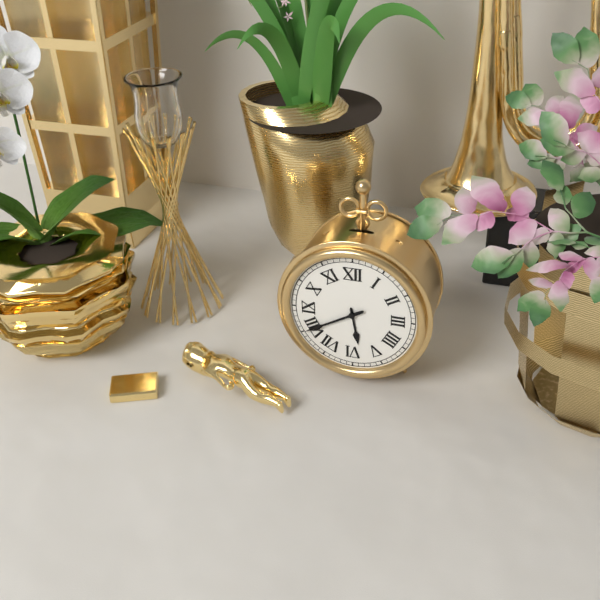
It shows 5h40
